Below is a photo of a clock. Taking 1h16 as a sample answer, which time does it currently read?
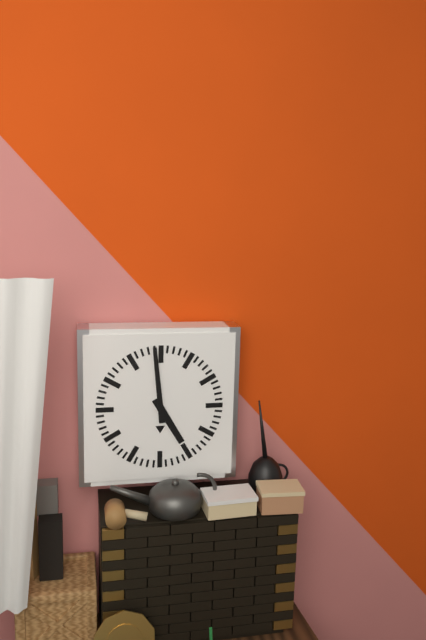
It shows 4h59
